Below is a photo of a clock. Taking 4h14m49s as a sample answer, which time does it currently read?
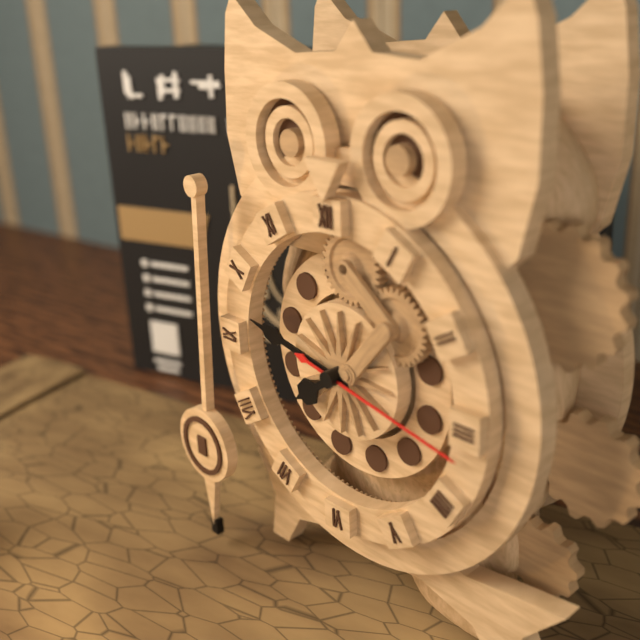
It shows 7h47m17s
